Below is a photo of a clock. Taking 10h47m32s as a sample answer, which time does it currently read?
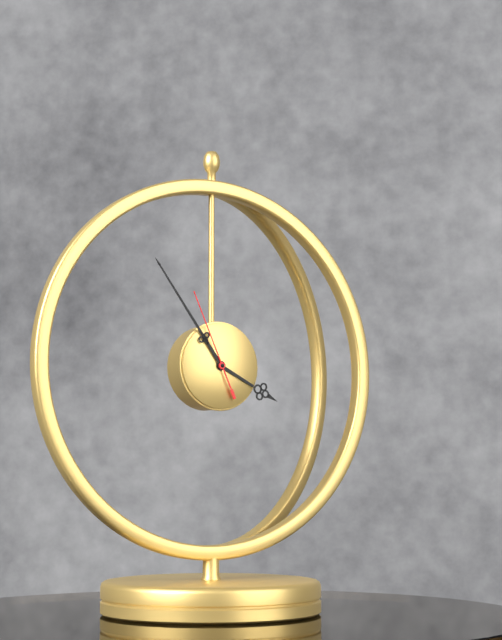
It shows 3h54m56s
